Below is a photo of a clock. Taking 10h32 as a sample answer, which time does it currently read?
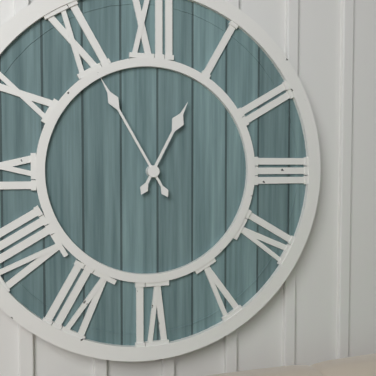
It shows 12h55
